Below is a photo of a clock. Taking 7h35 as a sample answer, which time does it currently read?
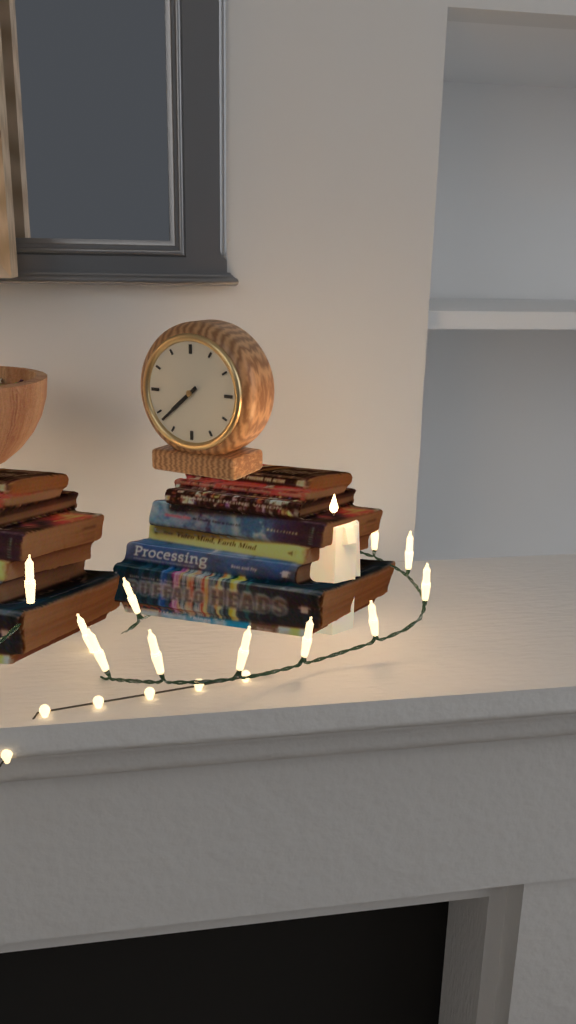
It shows 7h38
